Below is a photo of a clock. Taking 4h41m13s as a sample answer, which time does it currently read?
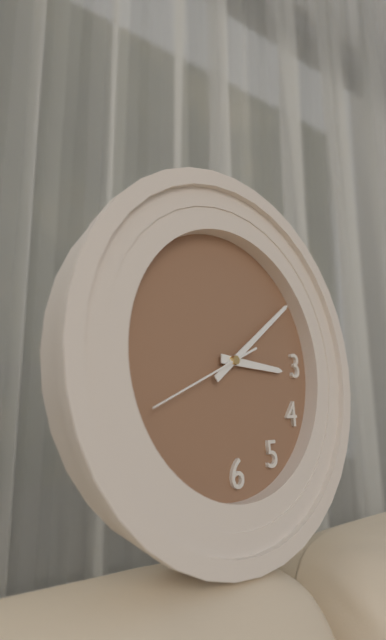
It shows 3h09m41s
